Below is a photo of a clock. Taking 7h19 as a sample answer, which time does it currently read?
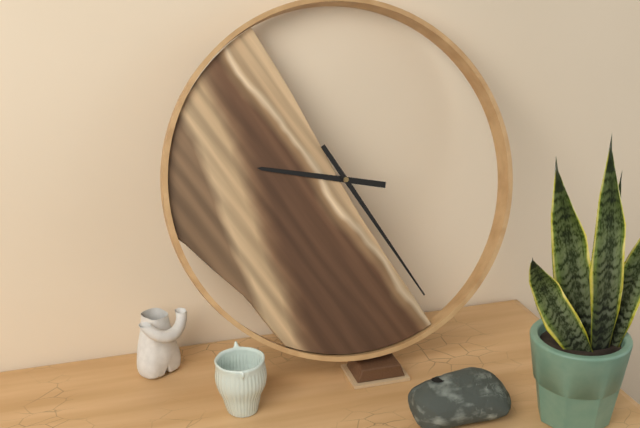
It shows 9h25
